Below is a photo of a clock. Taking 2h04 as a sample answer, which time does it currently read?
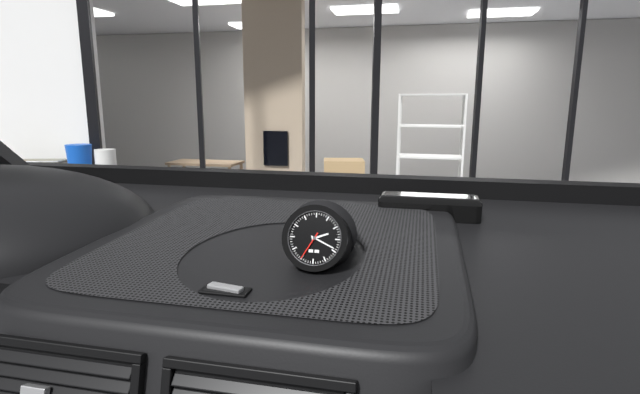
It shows 2h19
